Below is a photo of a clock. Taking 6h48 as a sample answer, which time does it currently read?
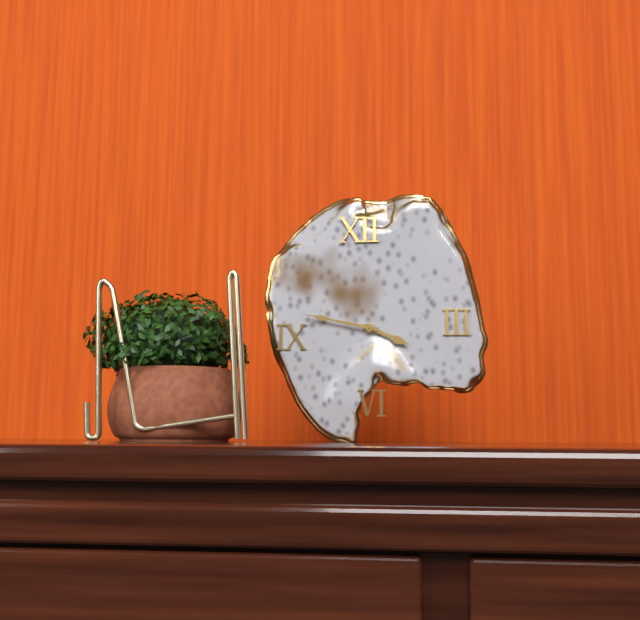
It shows 3h47
